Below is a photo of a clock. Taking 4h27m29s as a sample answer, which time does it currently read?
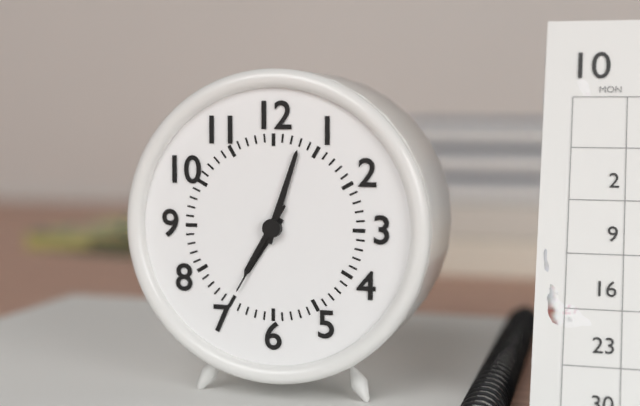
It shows 7h03m35s
